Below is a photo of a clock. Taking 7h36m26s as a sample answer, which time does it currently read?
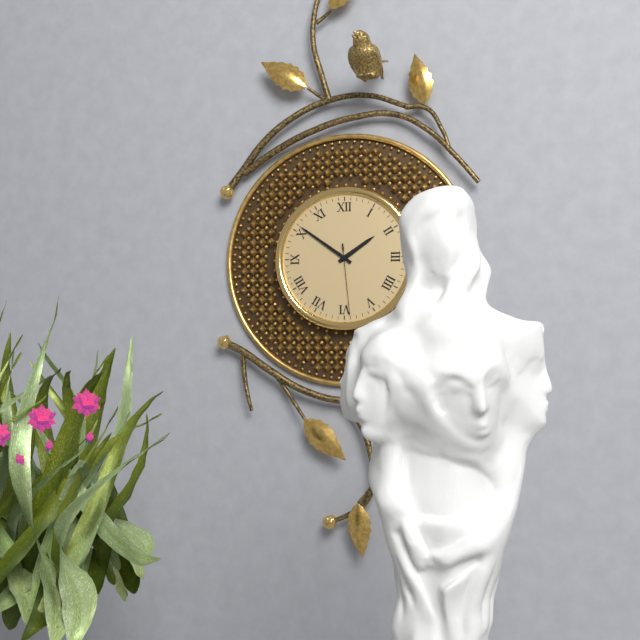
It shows 1h51m29s
